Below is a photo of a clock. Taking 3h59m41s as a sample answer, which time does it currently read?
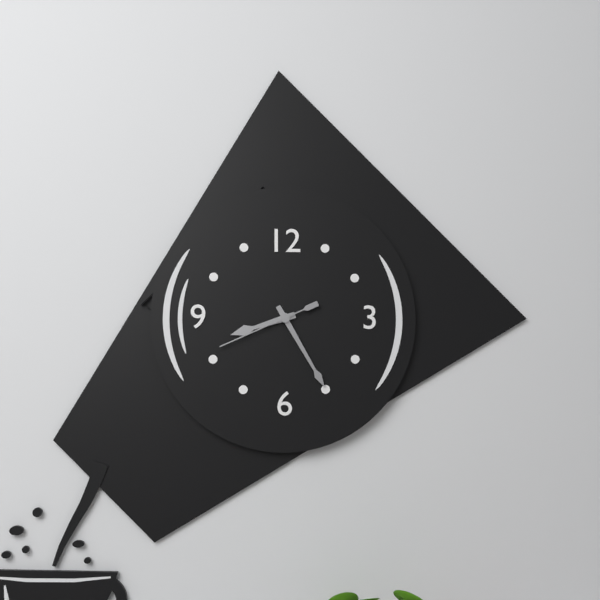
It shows 8h25m41s
